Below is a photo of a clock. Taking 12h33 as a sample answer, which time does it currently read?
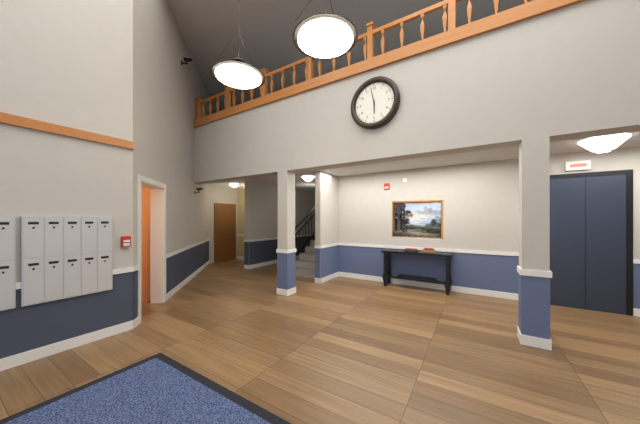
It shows 5h58
